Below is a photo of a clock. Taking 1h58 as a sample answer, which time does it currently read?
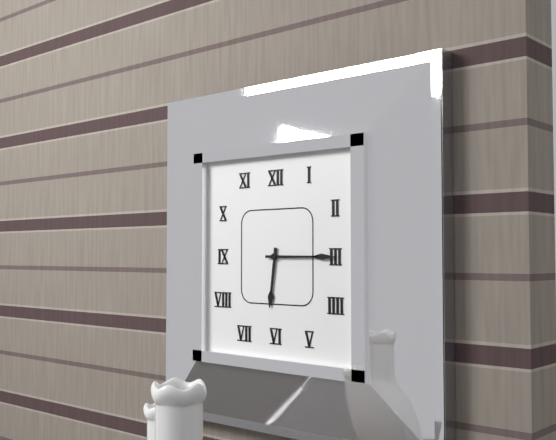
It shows 6h15
